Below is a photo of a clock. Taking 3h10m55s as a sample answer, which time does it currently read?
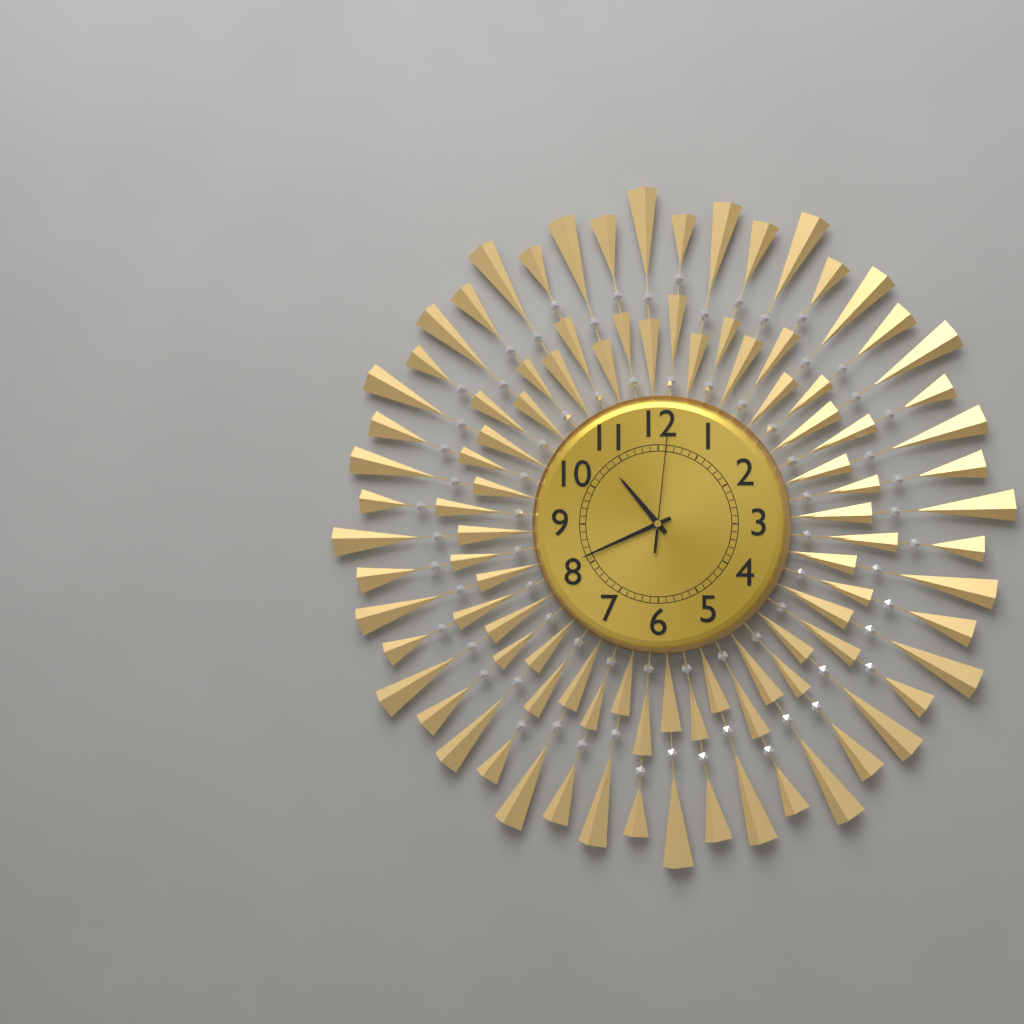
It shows 10h41m01s
